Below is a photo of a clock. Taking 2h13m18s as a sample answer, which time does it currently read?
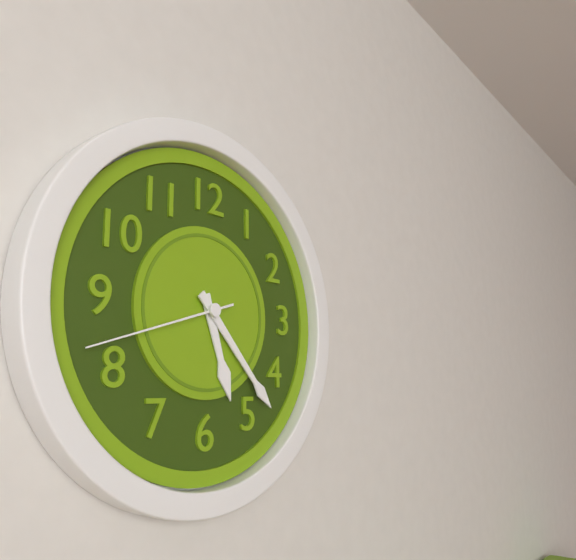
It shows 5h23m42s
